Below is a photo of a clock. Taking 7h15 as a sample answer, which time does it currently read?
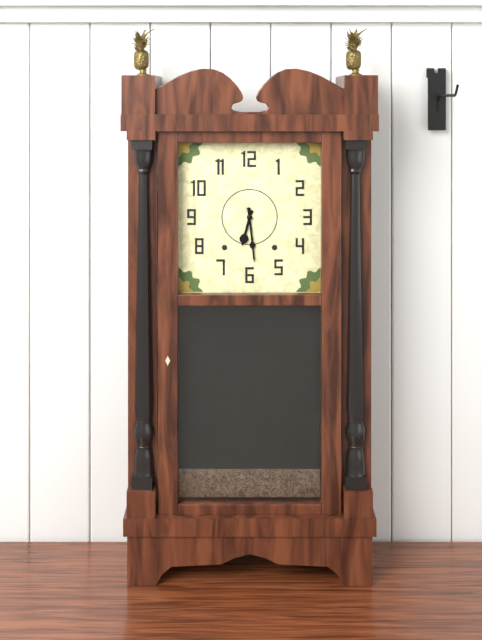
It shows 6h29
